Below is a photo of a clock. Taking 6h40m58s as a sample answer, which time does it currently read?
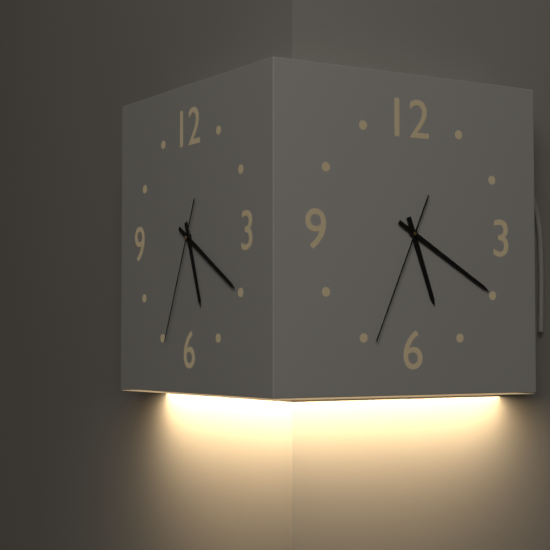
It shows 5h20m34s
